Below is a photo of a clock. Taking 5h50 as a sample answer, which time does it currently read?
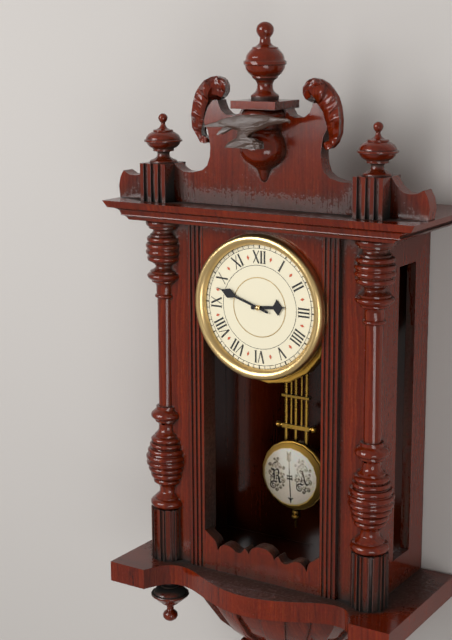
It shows 2h48
